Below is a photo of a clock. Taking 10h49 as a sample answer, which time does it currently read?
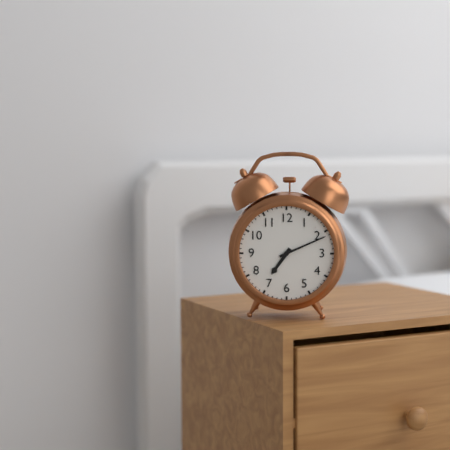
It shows 7h11
